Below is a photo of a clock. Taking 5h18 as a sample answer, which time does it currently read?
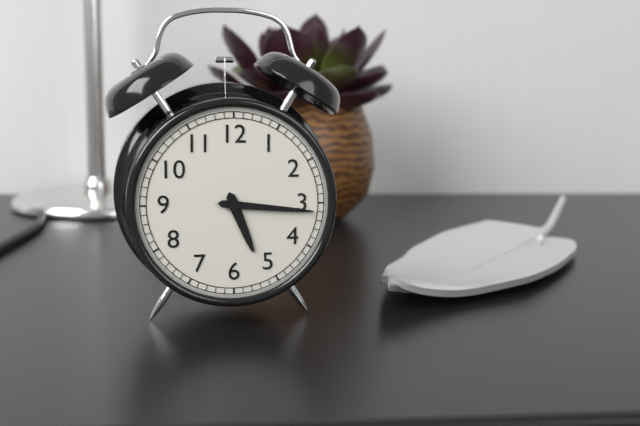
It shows 5h16
